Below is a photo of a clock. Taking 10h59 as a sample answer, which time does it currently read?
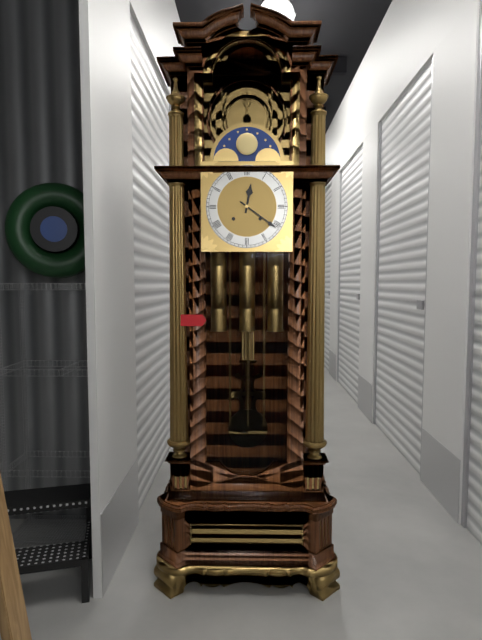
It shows 12h21
